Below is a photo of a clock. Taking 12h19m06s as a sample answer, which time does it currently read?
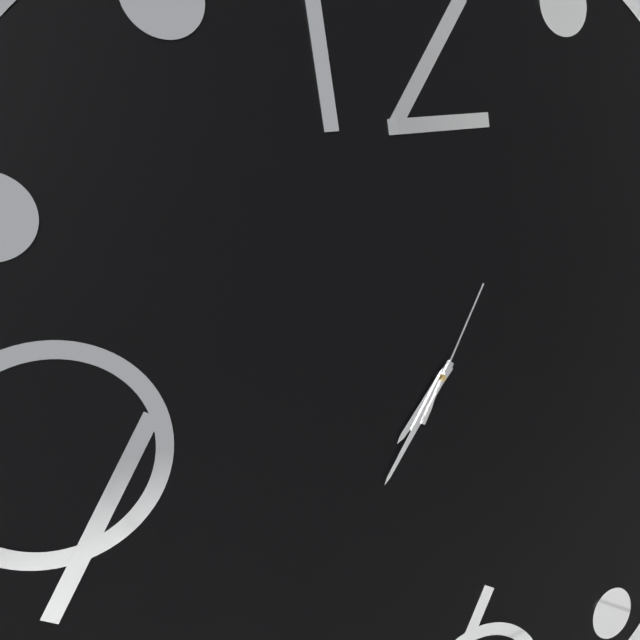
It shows 7h37m06s
